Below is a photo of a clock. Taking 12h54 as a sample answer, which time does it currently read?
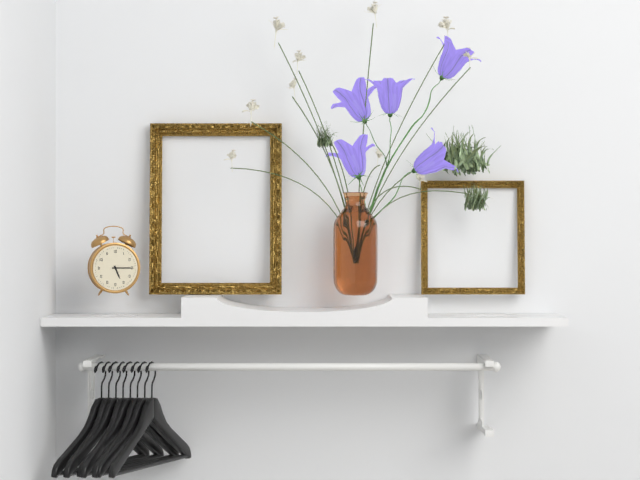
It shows 5h15
